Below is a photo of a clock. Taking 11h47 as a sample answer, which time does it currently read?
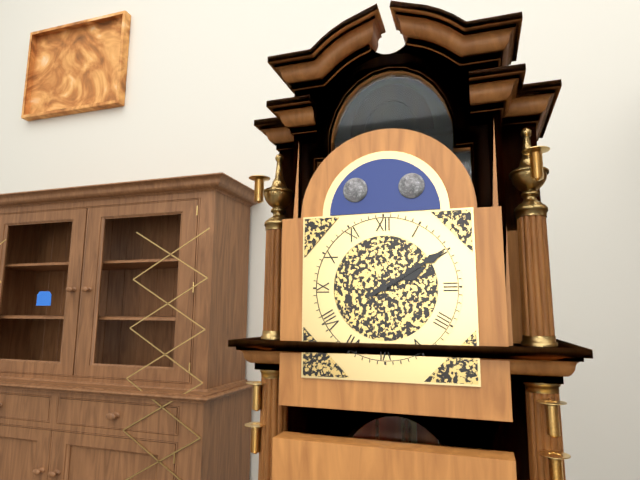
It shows 2h10
